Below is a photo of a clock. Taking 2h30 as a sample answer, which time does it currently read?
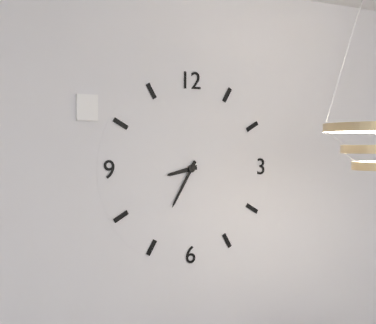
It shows 8h35
